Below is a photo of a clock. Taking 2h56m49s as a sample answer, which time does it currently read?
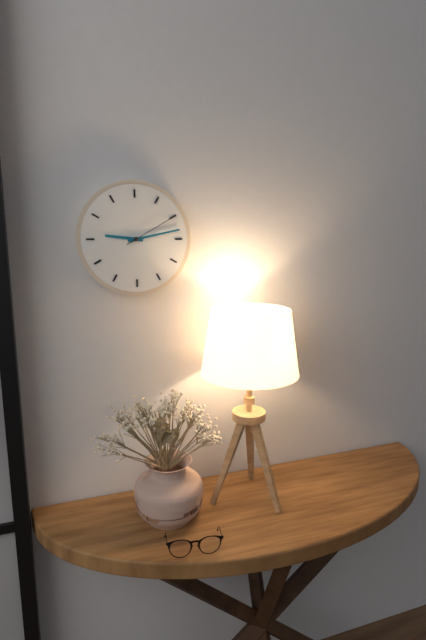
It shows 9h13m10s
